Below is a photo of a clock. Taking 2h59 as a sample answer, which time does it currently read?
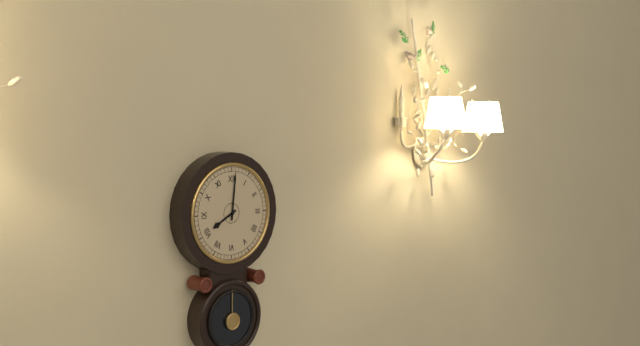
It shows 8h01
